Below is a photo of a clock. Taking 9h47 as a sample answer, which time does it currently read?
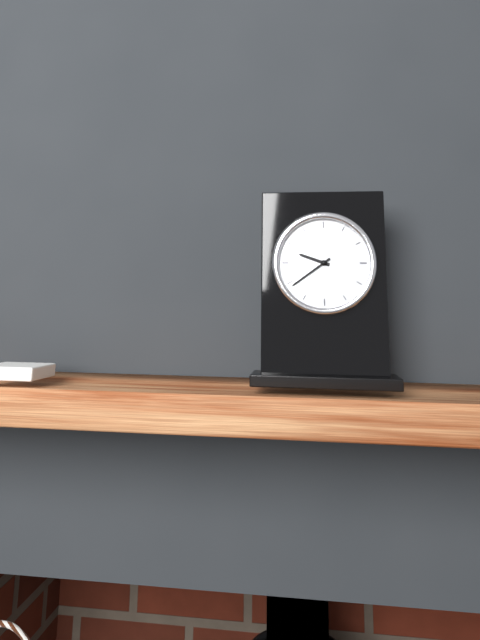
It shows 9h39
